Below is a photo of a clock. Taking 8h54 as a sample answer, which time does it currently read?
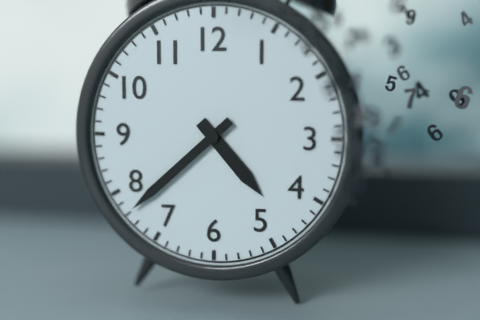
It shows 4h38
